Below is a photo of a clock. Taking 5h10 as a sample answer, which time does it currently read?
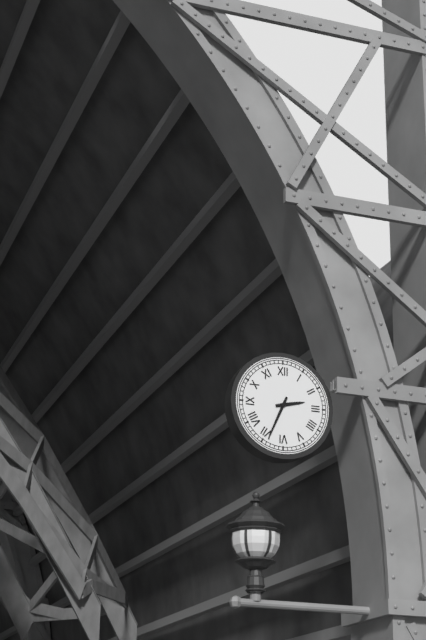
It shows 2h34
